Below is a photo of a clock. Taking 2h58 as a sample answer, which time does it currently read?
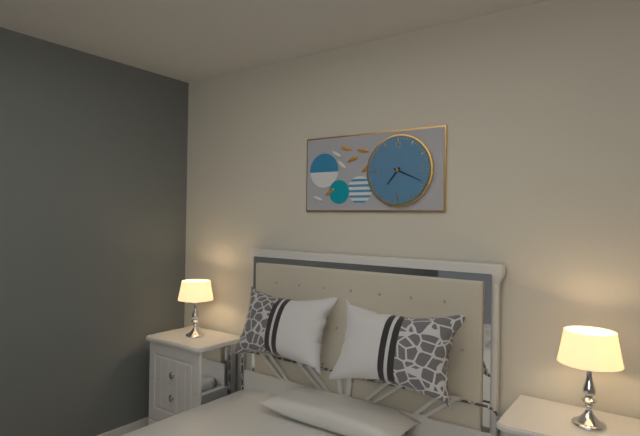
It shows 7h19
